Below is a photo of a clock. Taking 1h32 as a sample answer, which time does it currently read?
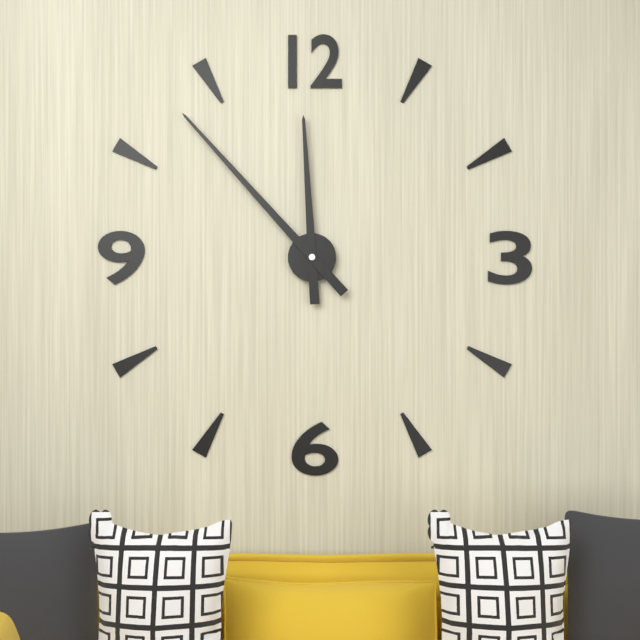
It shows 11h53
